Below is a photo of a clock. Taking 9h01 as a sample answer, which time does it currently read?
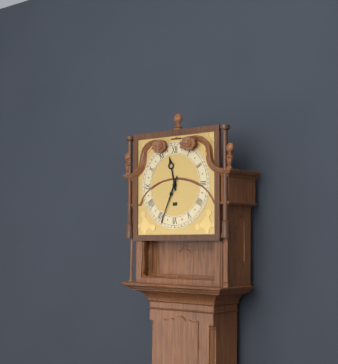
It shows 11h34
